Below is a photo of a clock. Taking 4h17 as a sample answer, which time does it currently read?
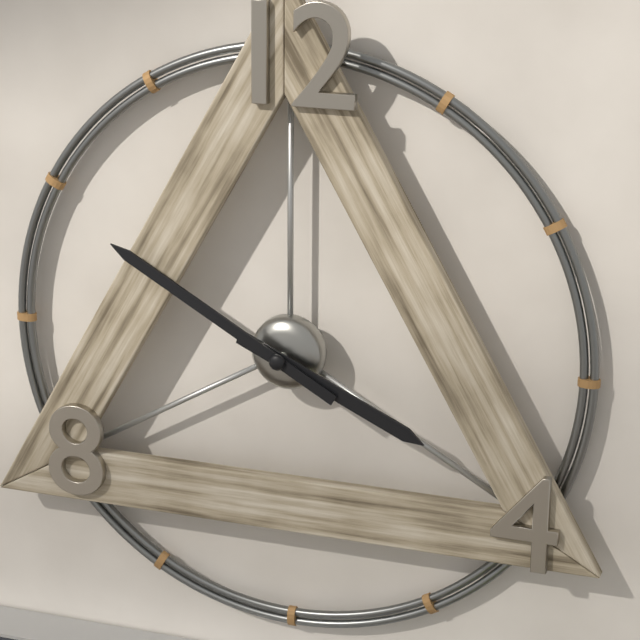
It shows 3h50
